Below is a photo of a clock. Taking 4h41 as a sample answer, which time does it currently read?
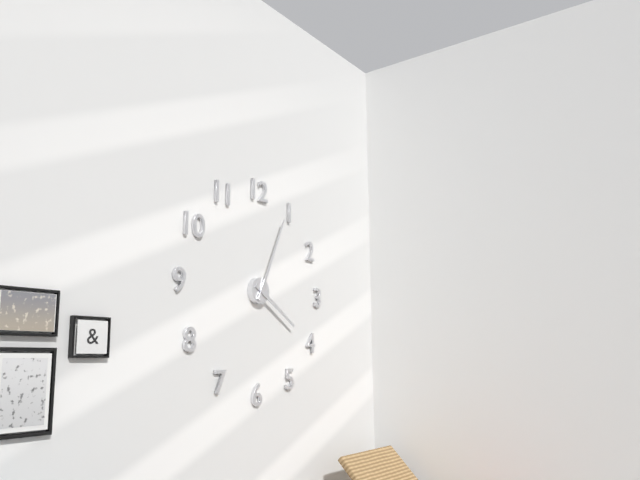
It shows 4h04
